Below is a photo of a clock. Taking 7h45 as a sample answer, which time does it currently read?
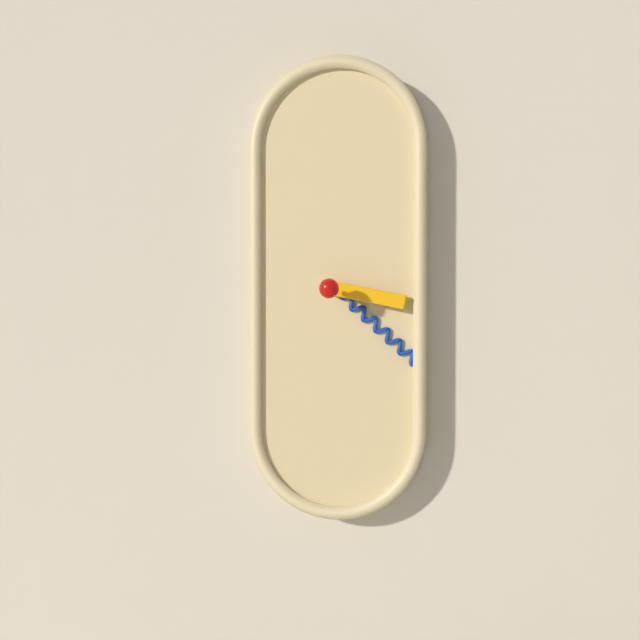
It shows 3h22
